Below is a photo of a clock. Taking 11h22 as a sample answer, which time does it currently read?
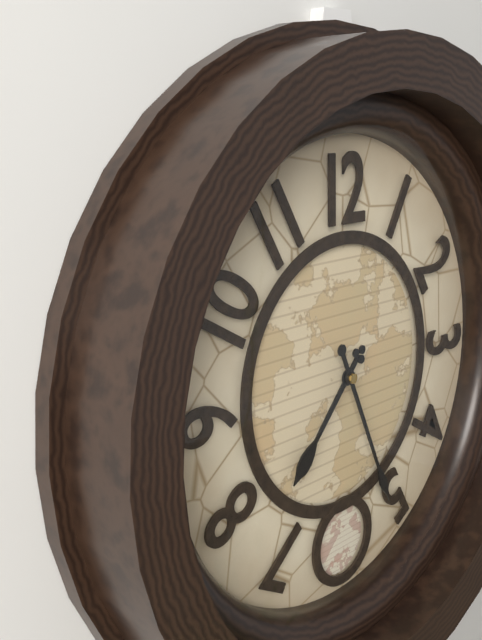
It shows 7h26
